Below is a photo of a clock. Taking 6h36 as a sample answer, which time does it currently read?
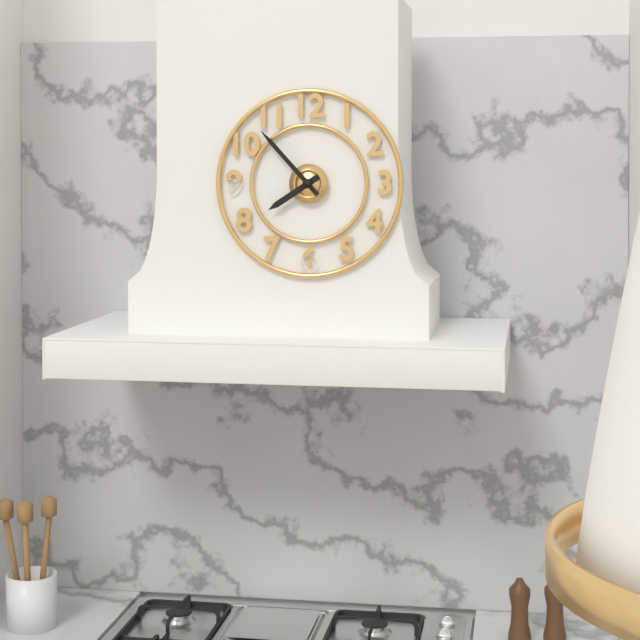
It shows 7h53
